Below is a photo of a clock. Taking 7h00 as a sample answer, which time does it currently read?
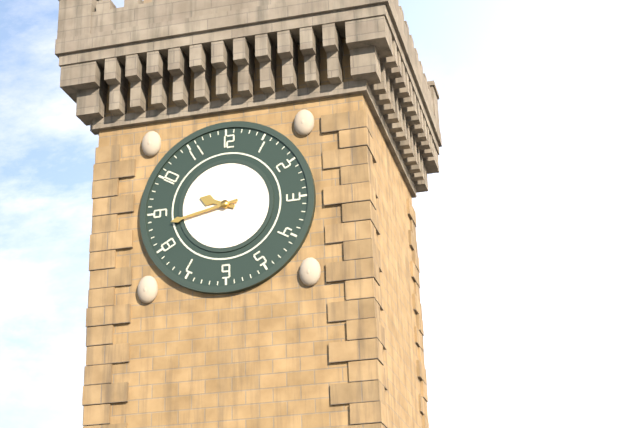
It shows 9h43
